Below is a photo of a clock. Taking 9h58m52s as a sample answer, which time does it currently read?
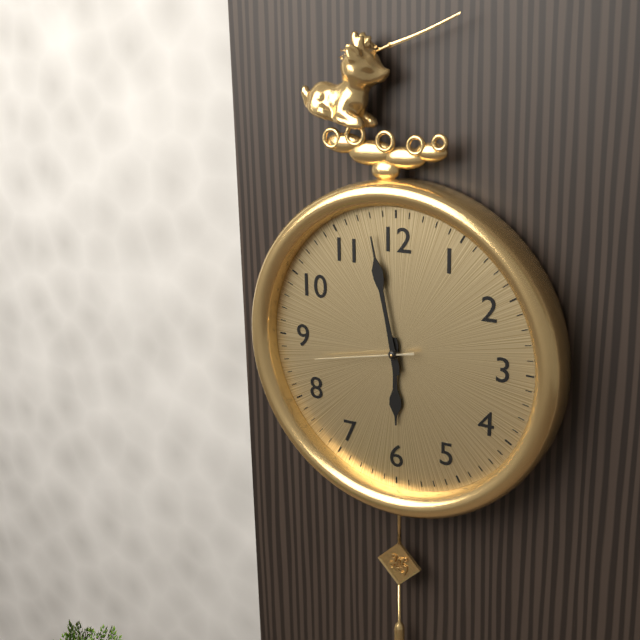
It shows 5h58m43s
